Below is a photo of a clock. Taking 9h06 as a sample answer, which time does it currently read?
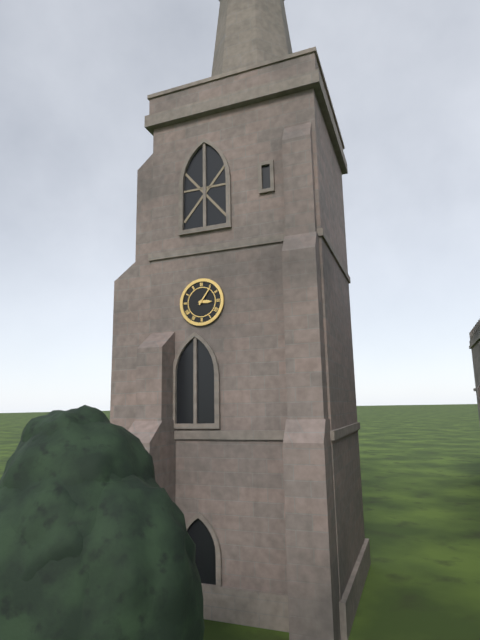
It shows 3h06
